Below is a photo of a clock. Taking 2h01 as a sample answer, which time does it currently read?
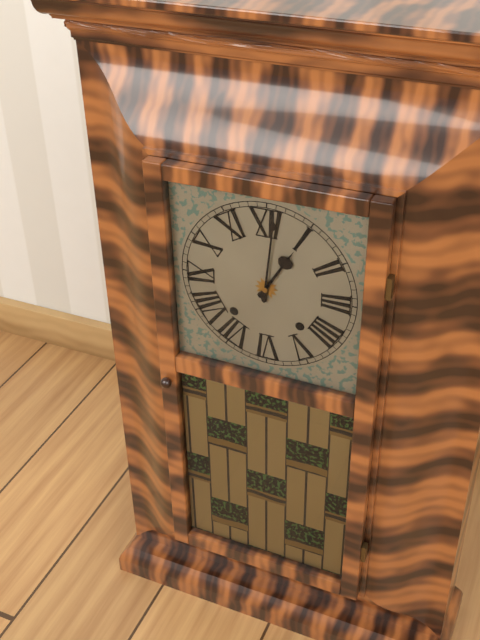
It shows 1h01
